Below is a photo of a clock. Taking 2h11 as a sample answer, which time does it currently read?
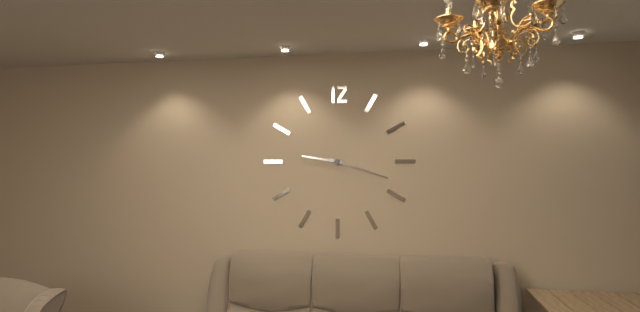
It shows 9h18
